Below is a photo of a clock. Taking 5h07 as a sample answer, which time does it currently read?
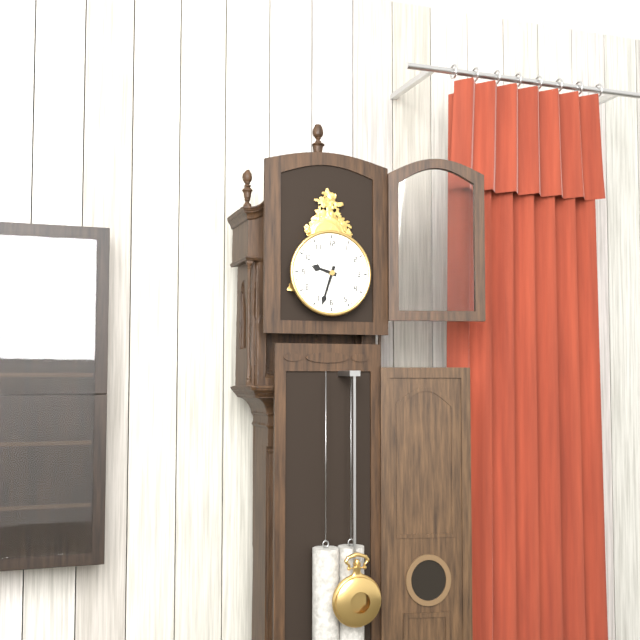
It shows 9h33
